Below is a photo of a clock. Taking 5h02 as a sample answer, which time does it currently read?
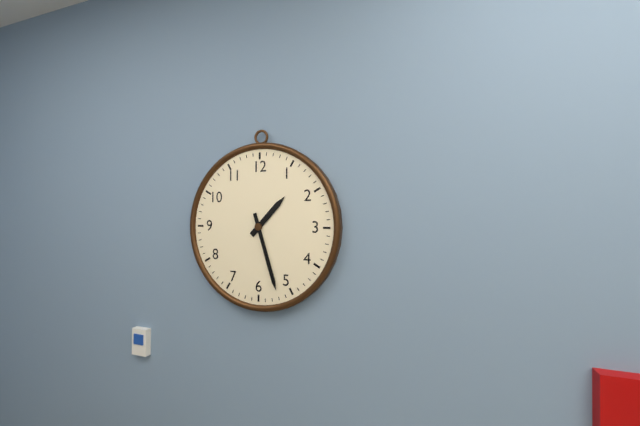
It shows 1h27
